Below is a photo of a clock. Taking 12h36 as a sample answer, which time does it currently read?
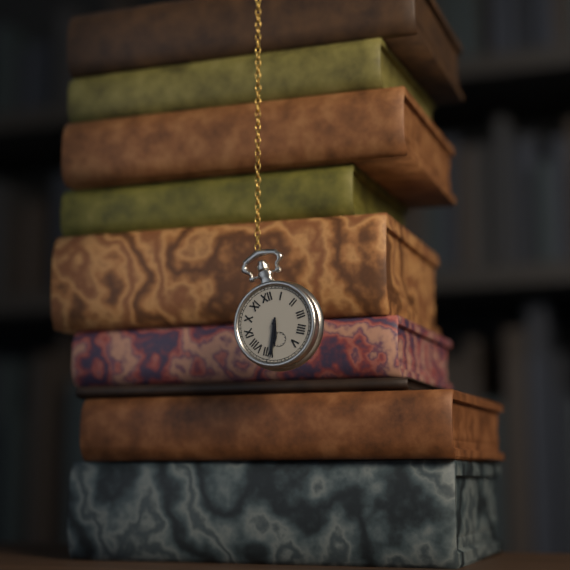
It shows 6h34
